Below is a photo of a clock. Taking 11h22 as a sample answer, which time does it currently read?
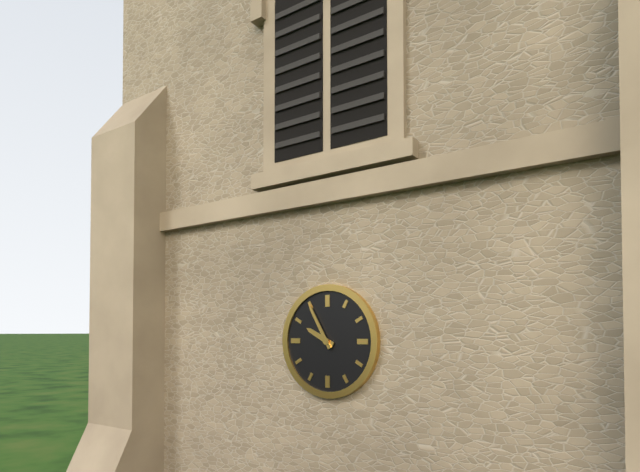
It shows 9h55
